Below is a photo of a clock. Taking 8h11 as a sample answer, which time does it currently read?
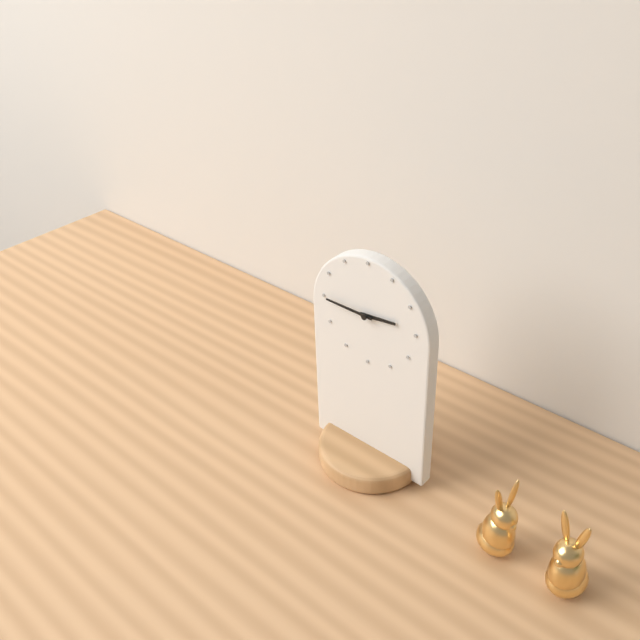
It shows 2h45
